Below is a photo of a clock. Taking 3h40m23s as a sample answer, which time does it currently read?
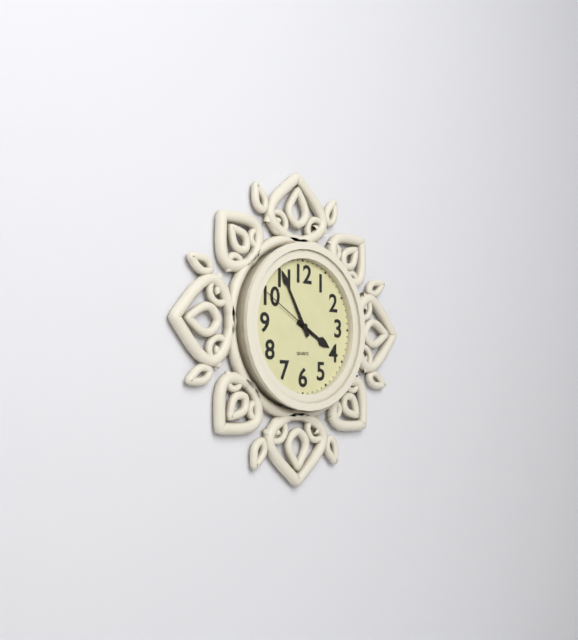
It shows 3h55m50s
